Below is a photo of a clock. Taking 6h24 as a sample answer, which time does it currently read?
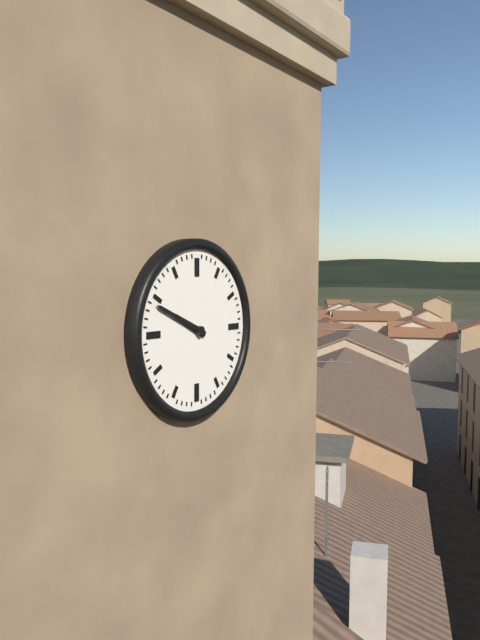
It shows 9h49
